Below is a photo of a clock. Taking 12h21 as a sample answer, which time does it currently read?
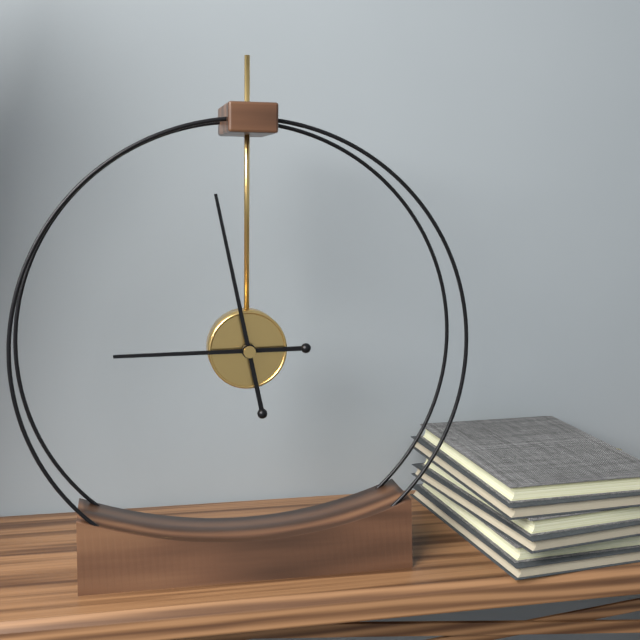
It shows 8h58
